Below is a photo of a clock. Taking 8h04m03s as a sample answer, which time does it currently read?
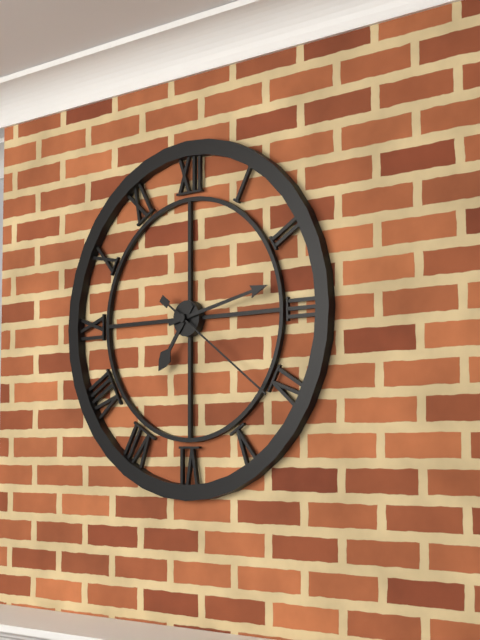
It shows 7h13m21s
